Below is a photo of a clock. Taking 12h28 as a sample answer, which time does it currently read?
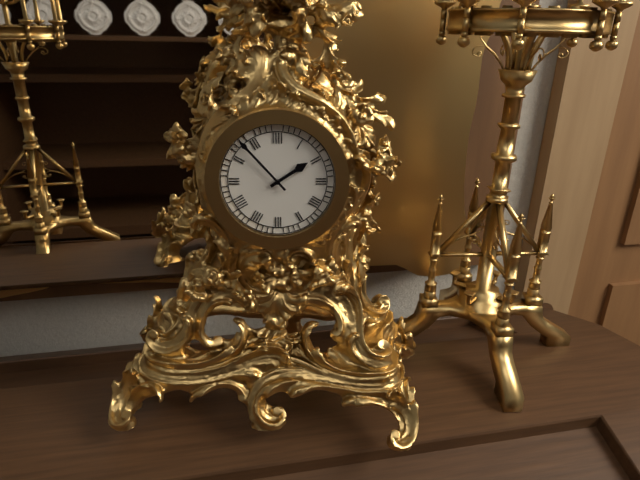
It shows 1h53
